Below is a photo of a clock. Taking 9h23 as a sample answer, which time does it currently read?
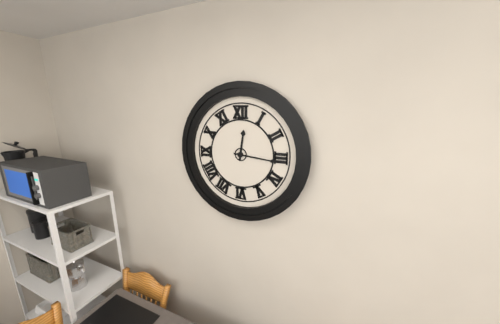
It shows 12h16
